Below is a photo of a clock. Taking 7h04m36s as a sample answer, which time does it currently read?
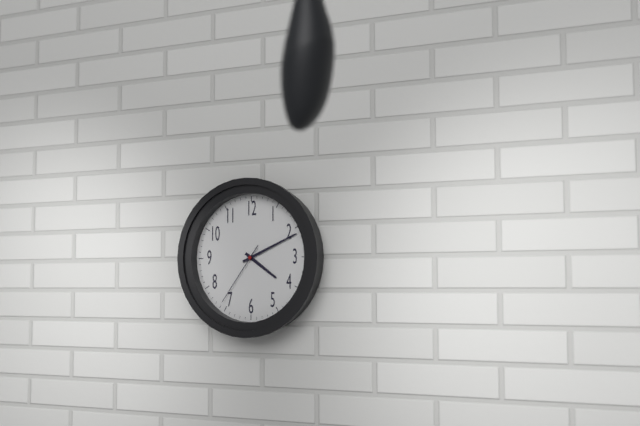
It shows 4h11m36s
